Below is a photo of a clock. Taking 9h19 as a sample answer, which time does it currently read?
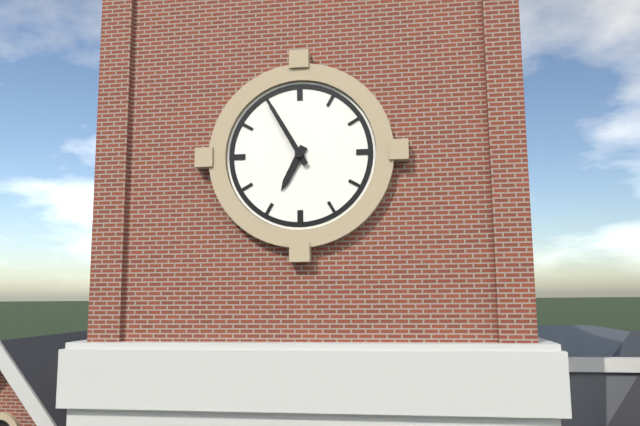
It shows 6h55
